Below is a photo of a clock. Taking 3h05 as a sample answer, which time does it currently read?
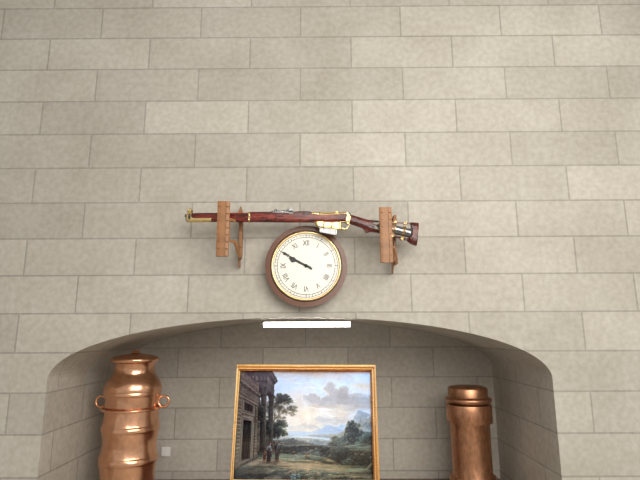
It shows 9h50
